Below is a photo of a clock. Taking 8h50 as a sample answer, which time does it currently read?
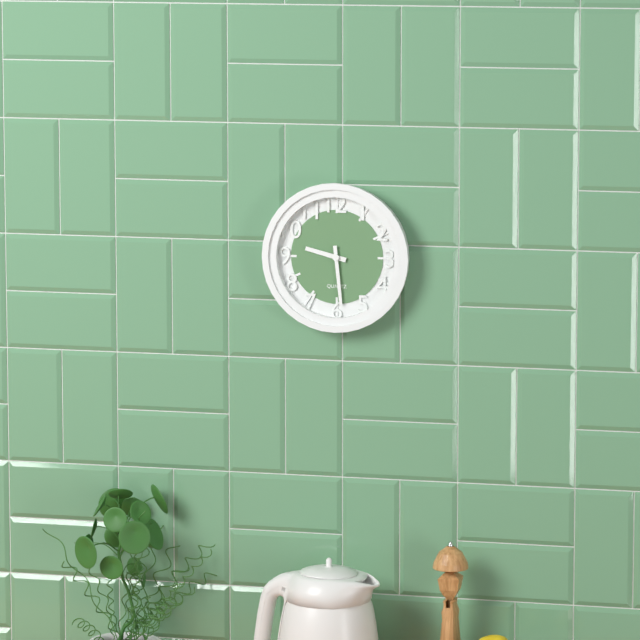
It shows 9h29
